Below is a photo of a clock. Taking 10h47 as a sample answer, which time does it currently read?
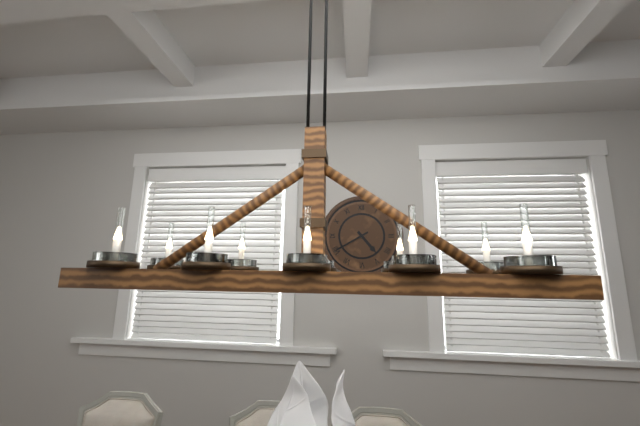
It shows 4h40
